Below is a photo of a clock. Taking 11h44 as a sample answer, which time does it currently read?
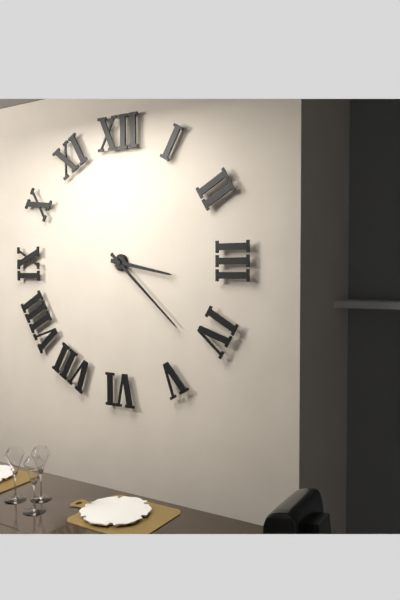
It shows 3h22
